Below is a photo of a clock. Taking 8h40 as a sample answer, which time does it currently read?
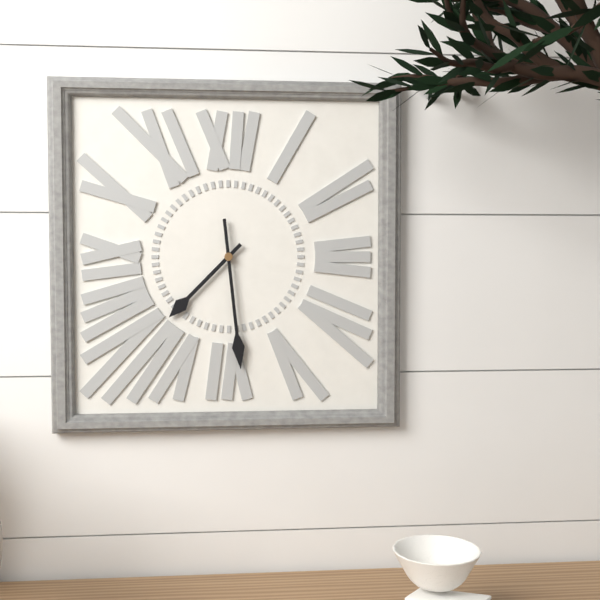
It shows 7h29
